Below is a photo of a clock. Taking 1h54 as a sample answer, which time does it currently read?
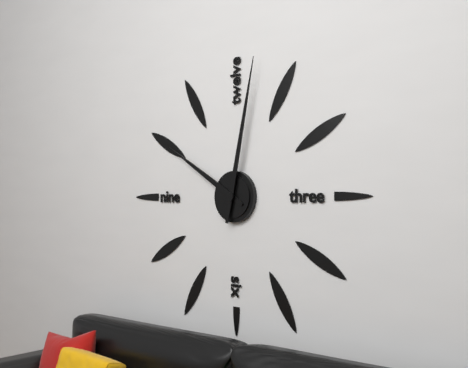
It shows 10h02
